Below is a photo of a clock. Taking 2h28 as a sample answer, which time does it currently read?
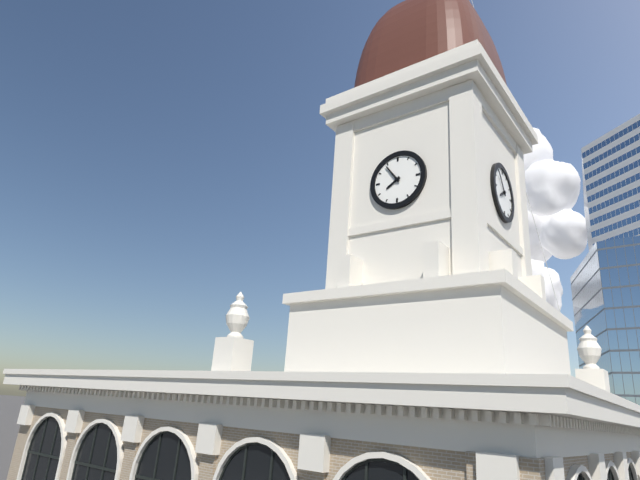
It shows 7h54
